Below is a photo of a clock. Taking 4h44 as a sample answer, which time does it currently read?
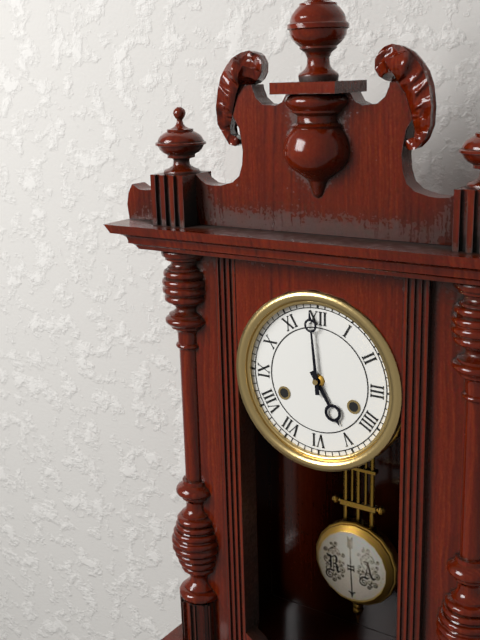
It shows 4h59
